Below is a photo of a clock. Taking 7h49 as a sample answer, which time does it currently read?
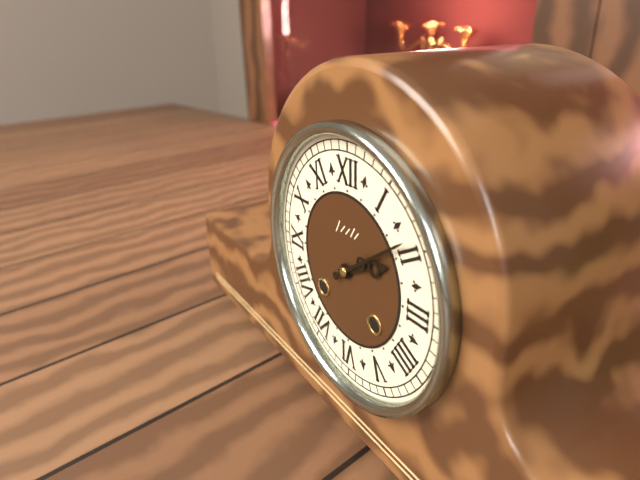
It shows 2h09
